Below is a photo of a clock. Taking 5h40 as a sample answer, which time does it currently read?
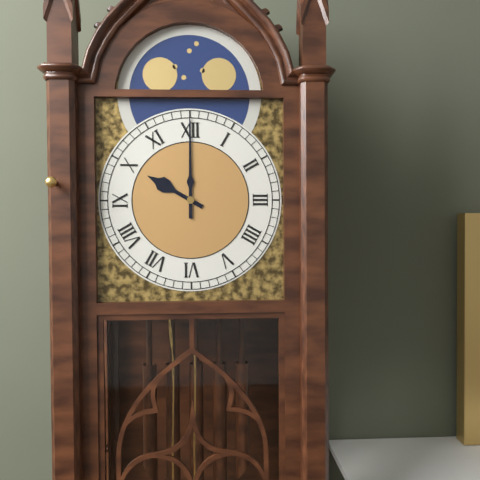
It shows 10h00
